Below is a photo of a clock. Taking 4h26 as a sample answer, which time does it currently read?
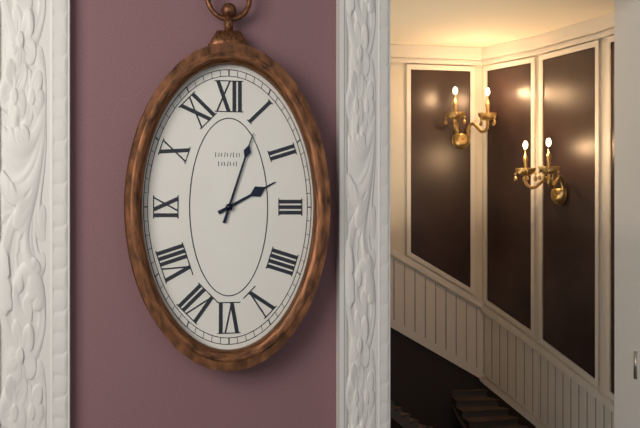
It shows 2h03
